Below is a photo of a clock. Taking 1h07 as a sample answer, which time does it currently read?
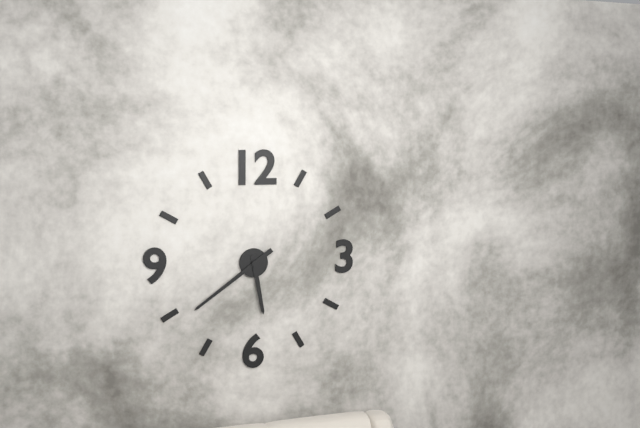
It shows 5h39
